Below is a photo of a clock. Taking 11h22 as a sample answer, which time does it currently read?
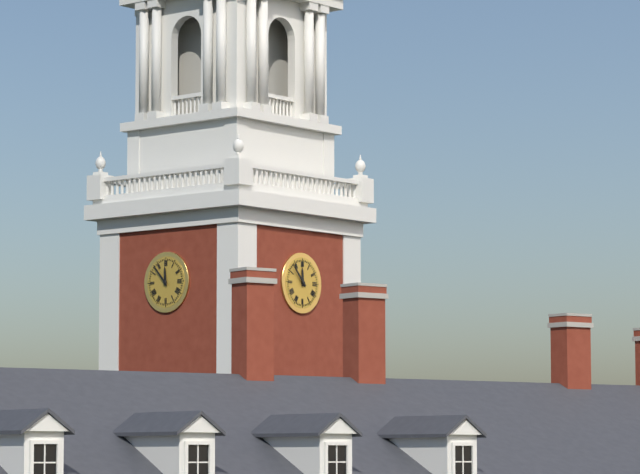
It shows 11h53
